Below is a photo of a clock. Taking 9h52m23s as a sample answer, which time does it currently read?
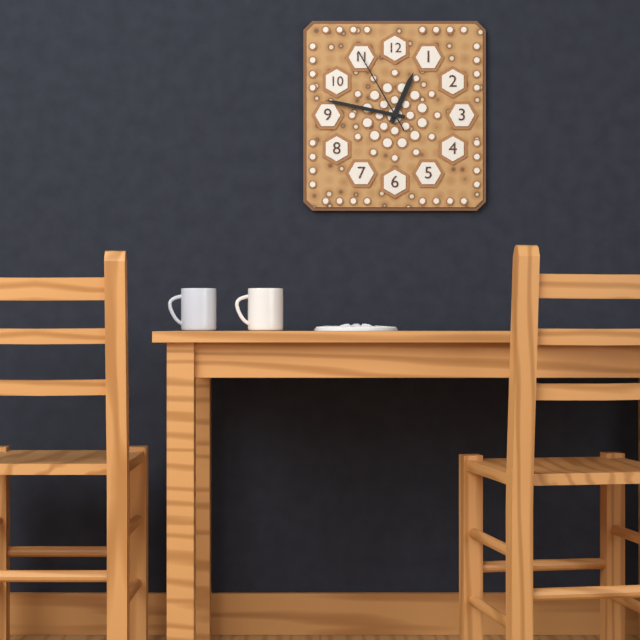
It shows 12h47m55s
